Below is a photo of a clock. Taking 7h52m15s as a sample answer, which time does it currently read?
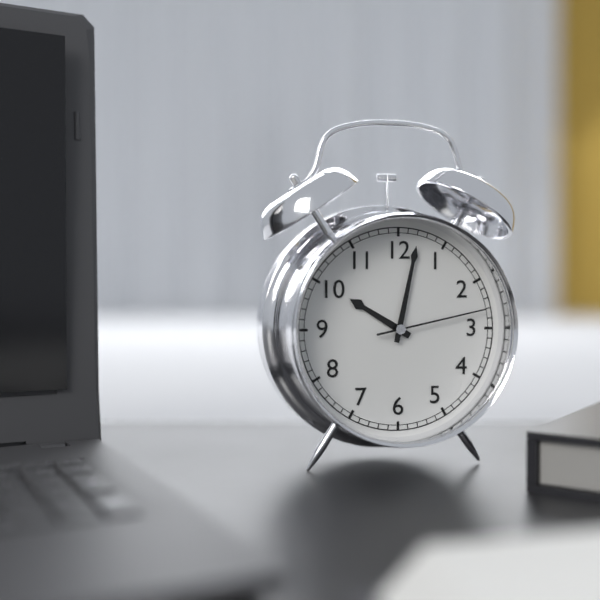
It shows 10h02m13s
